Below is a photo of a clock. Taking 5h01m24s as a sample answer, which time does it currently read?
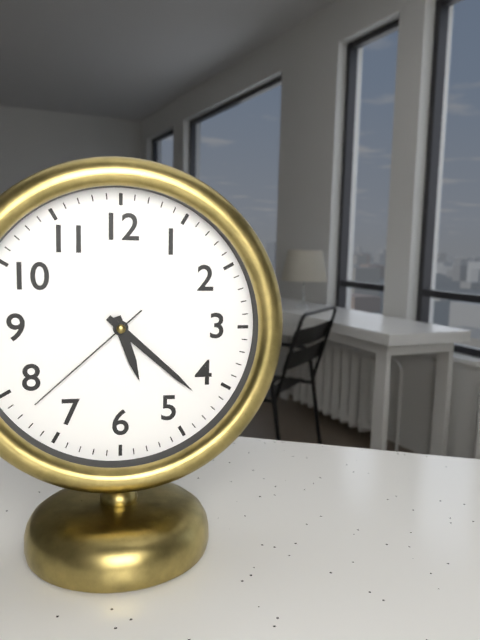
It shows 5h22m38s
